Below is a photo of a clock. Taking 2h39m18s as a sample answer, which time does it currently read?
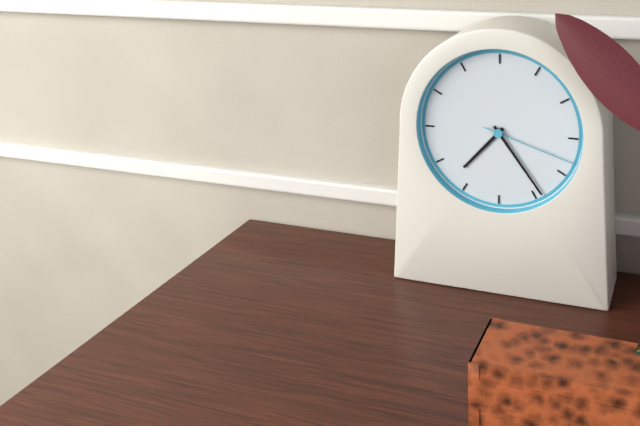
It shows 7h24m18s
